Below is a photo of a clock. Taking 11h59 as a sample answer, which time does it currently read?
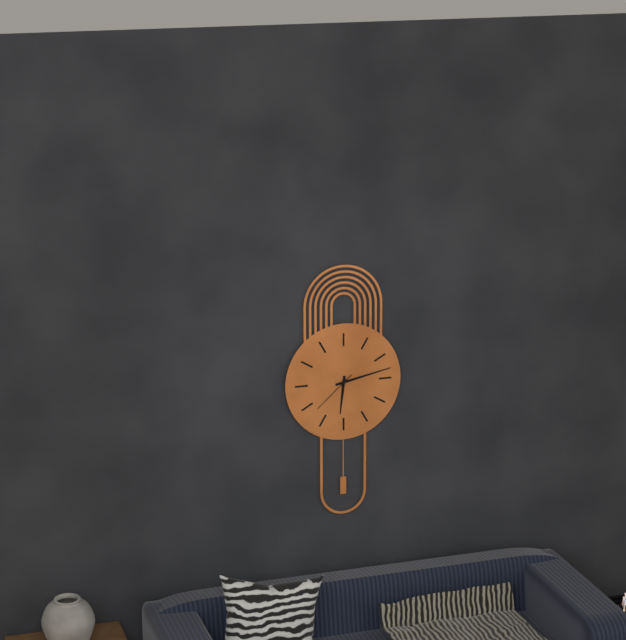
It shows 6h13
